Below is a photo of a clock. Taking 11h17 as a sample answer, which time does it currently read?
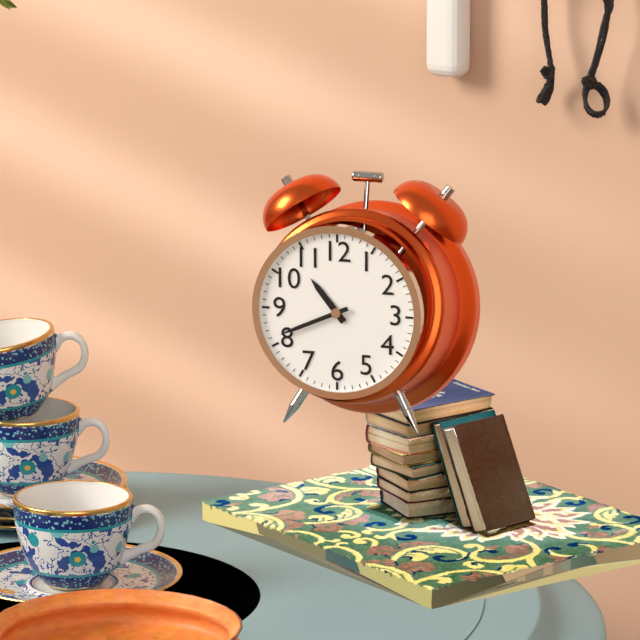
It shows 10h41
